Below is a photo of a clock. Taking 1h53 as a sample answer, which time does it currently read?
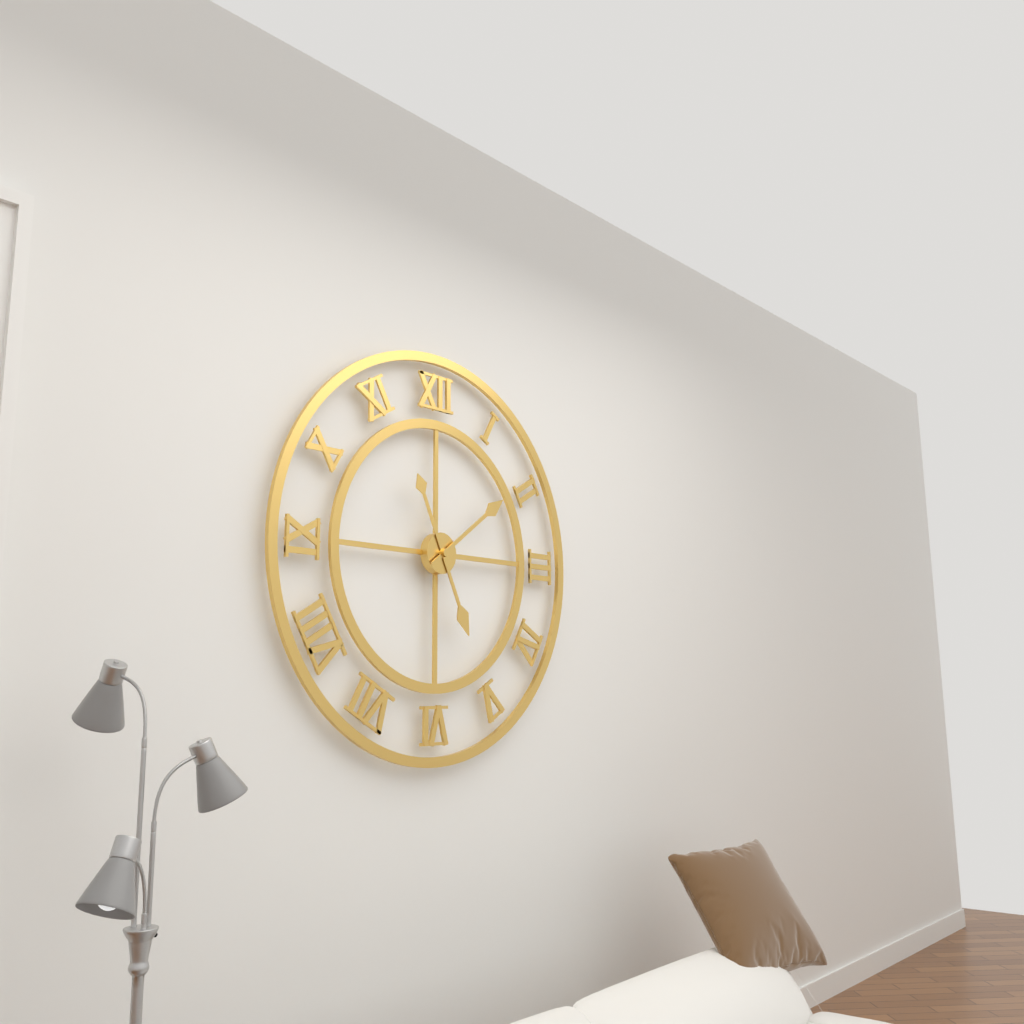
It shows 5h09
